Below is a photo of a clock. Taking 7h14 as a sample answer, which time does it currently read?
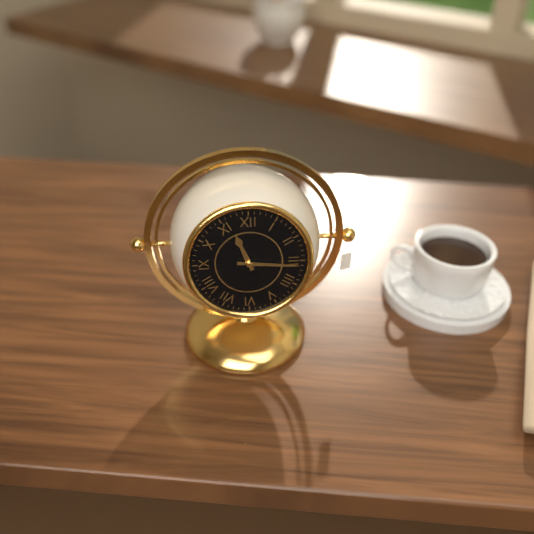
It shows 11h16
